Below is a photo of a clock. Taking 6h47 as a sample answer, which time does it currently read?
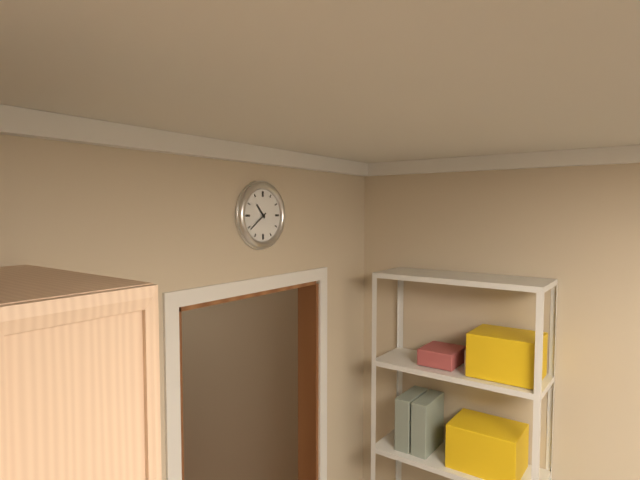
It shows 10h39
